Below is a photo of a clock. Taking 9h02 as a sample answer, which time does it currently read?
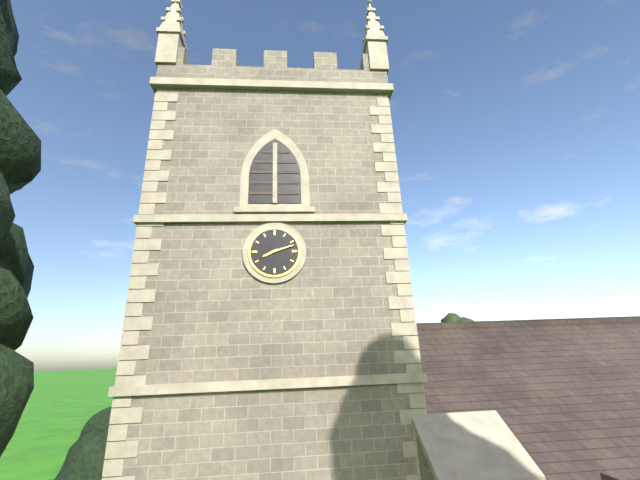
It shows 8h12
